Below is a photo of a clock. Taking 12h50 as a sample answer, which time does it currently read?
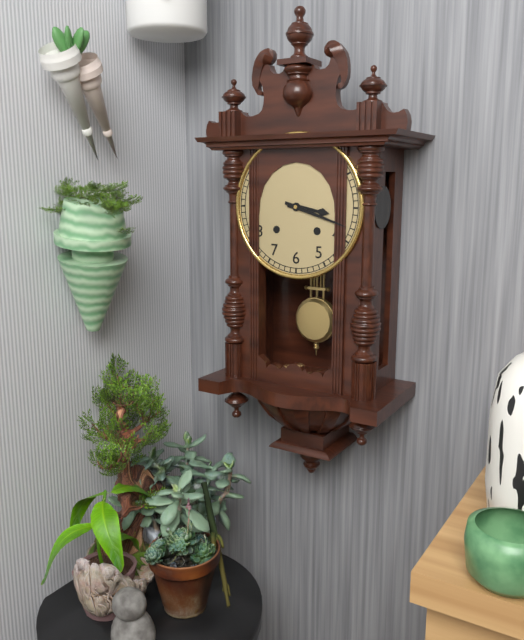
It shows 3h18
